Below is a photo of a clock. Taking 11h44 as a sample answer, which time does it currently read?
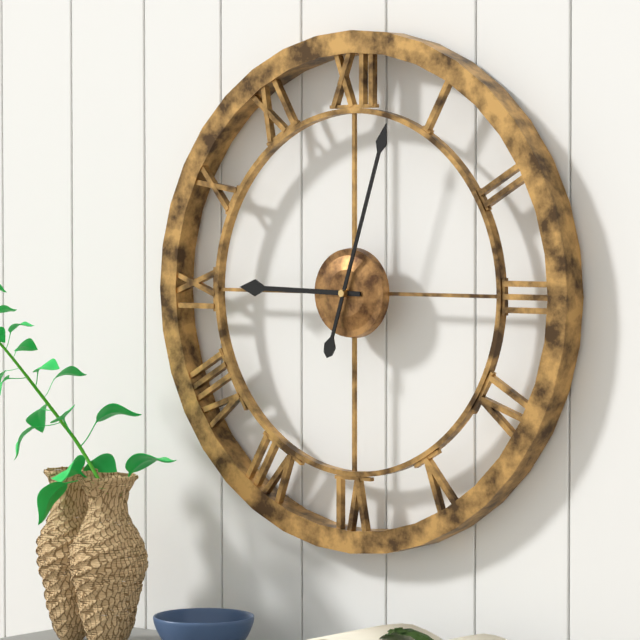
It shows 9h03
